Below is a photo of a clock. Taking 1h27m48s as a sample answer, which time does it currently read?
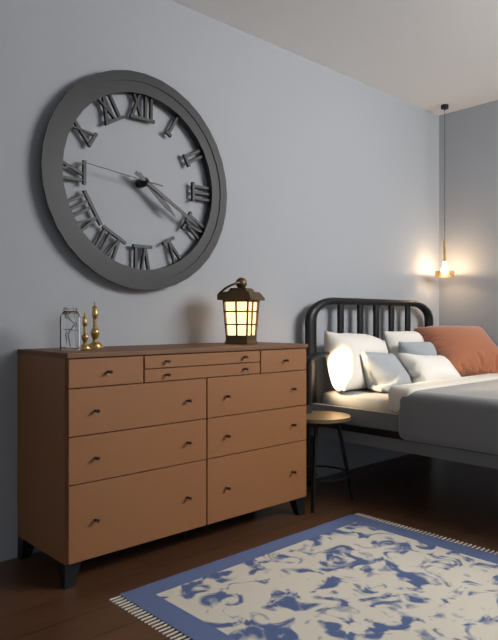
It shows 4h20m46s
